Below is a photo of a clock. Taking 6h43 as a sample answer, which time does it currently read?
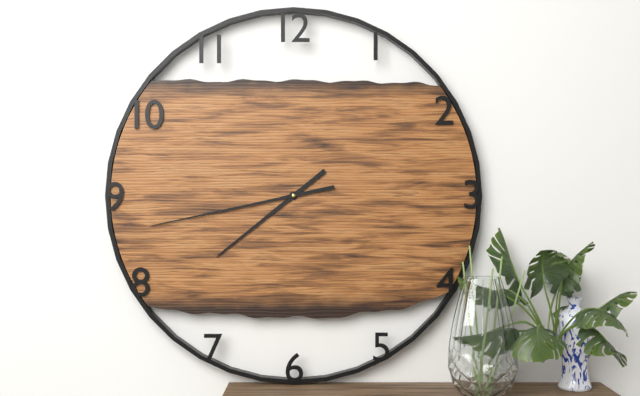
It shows 7h43
